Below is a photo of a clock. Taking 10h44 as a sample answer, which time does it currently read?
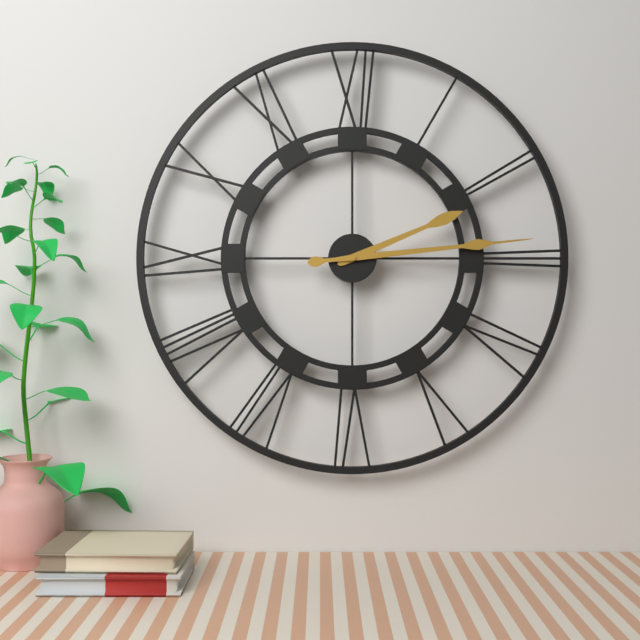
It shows 2h14
